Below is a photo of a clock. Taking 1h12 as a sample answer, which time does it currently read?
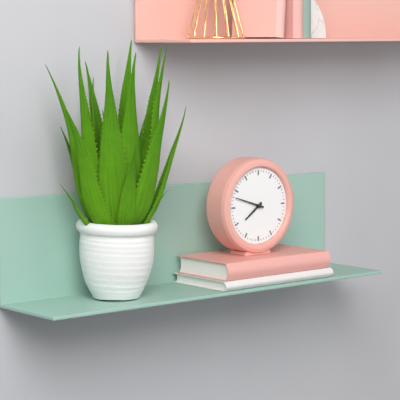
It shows 7h48
